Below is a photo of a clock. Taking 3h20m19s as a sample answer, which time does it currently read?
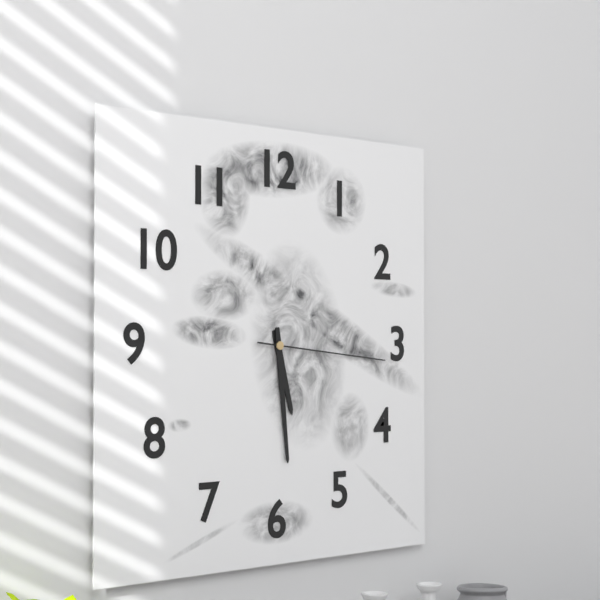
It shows 5h29m16s
